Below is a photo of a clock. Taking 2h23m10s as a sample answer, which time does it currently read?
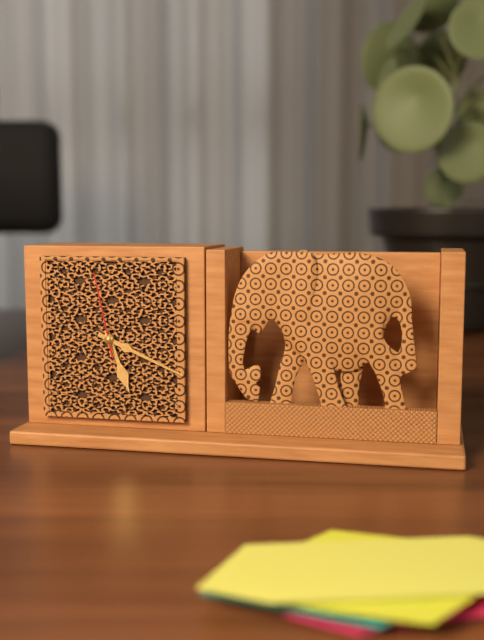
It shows 5h19m58s
